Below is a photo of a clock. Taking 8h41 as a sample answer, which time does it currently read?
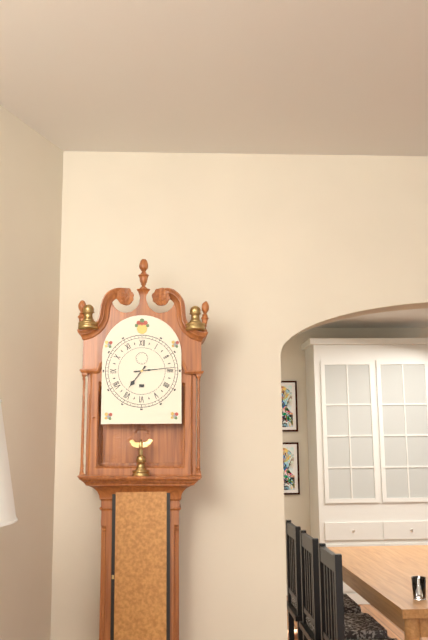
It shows 7h14
